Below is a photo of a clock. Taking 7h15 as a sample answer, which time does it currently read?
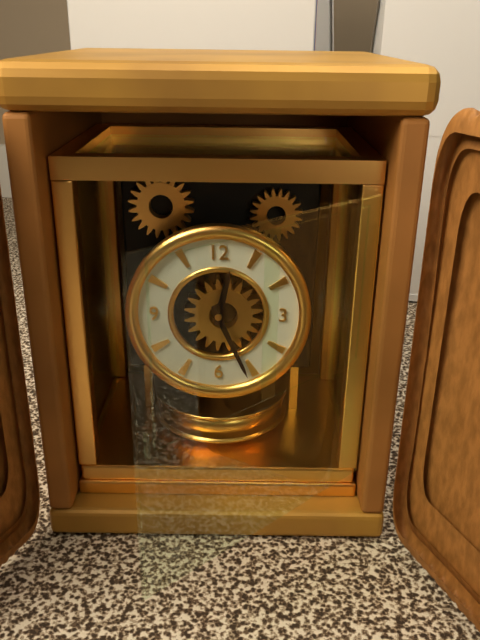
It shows 12h26
